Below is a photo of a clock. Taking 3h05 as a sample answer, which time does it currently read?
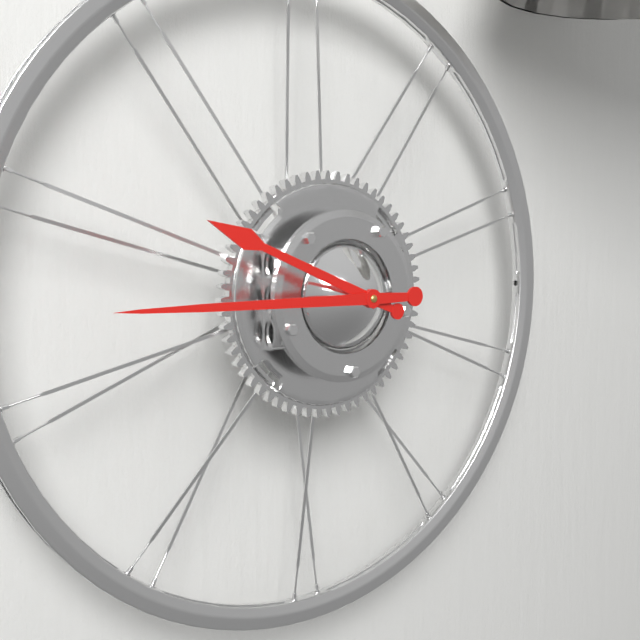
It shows 9h45
